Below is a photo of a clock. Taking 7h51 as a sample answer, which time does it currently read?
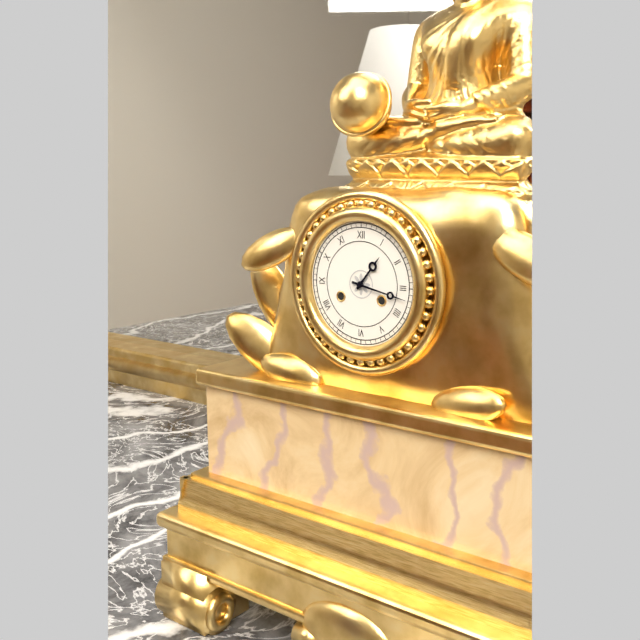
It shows 1h17
